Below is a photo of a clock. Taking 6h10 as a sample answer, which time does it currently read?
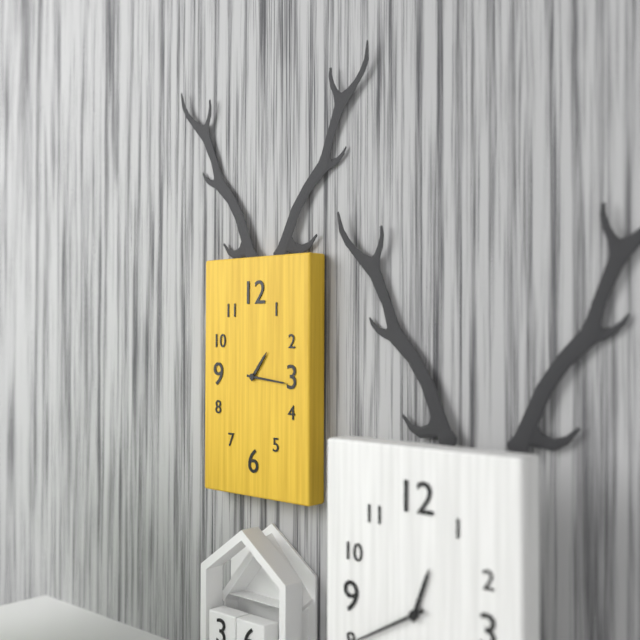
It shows 1h16
